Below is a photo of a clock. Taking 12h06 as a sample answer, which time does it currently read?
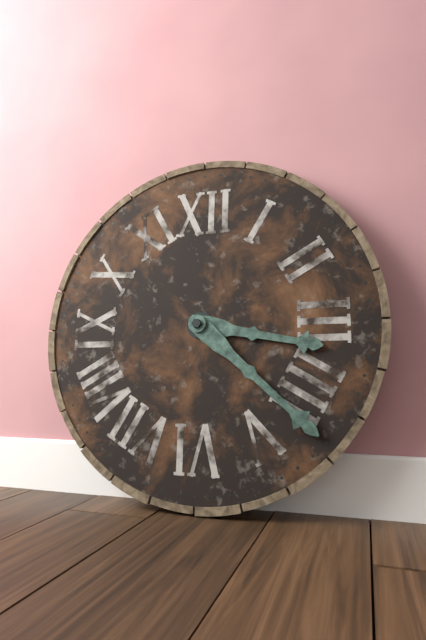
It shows 3h22
